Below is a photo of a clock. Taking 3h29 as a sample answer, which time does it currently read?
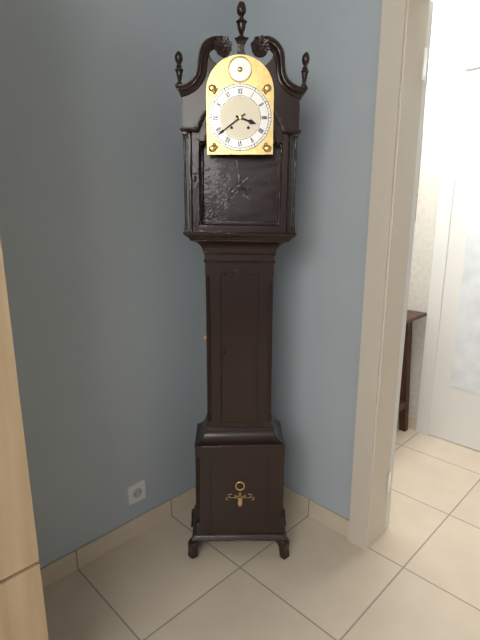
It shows 3h39
